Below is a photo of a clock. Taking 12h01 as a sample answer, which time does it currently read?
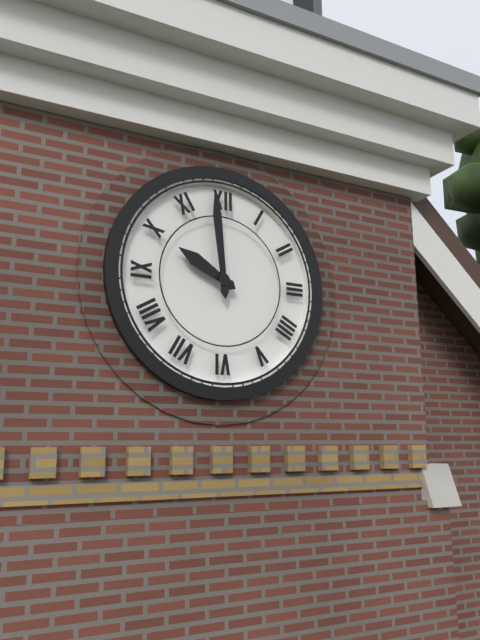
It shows 9h59
